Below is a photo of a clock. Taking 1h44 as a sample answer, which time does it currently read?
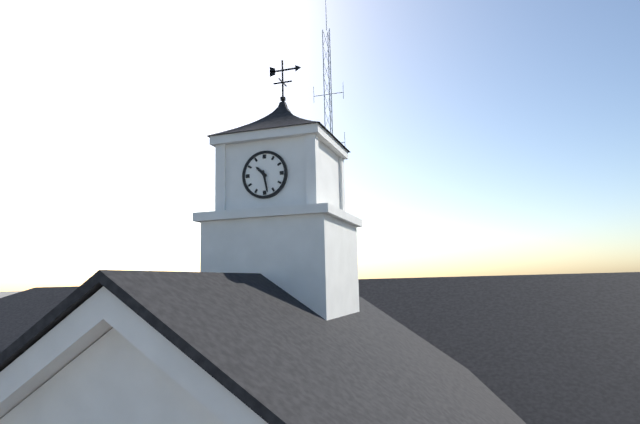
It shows 10h28
